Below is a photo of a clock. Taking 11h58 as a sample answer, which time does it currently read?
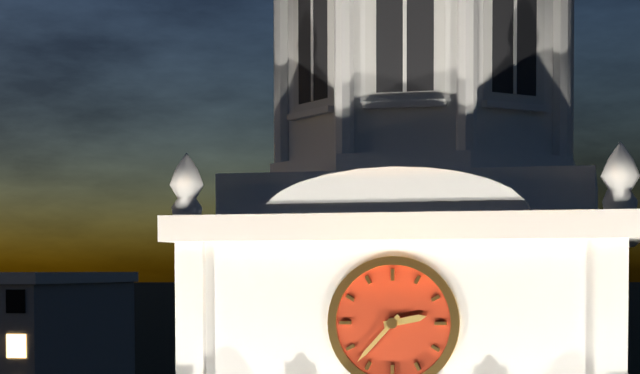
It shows 2h37
